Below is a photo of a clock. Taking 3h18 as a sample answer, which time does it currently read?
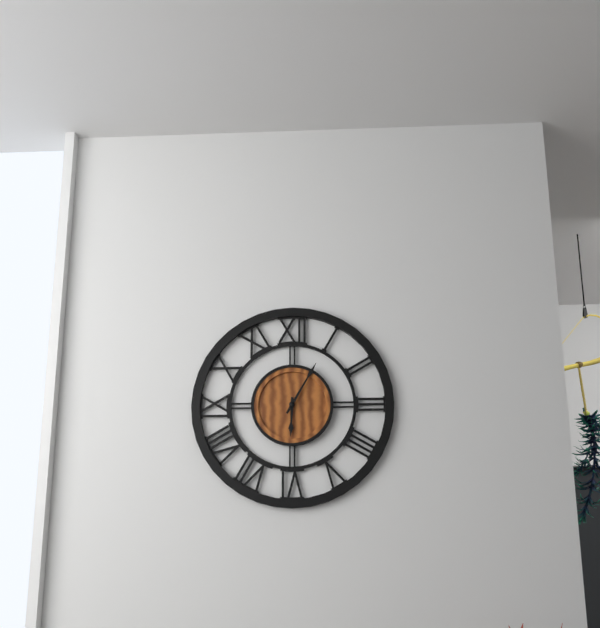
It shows 6h05
